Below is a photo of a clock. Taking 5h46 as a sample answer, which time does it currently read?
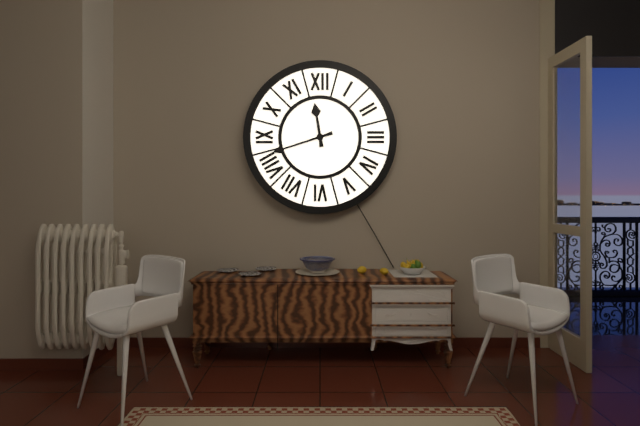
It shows 11h42
